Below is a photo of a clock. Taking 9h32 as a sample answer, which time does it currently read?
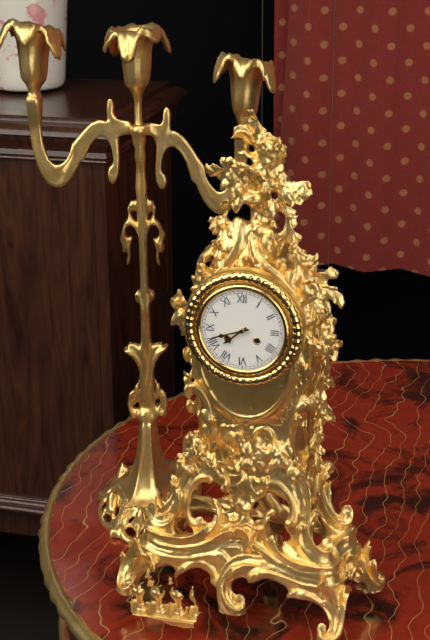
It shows 7h42
